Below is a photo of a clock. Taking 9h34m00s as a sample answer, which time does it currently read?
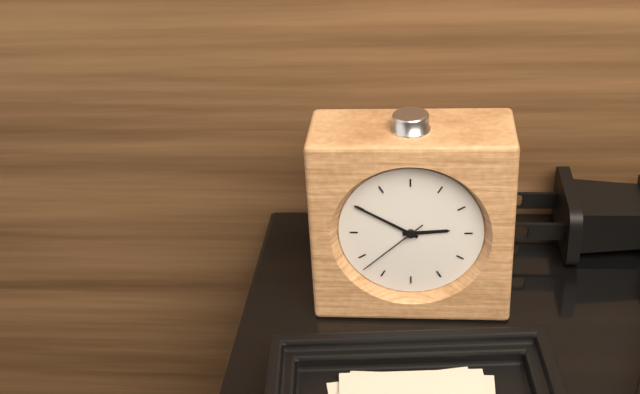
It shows 2h50m38s
